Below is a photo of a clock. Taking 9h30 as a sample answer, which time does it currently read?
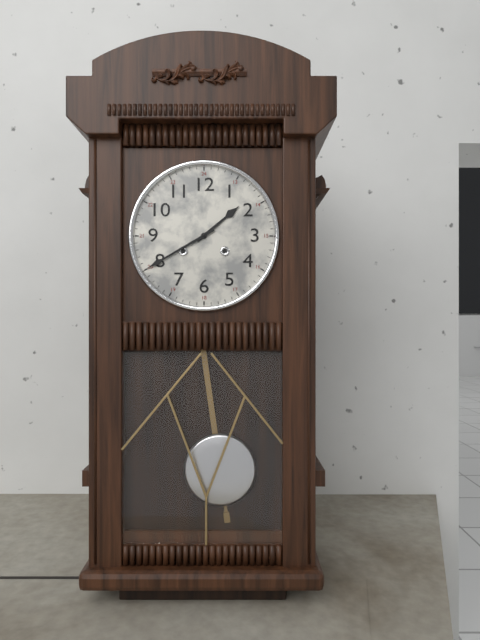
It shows 1h40
